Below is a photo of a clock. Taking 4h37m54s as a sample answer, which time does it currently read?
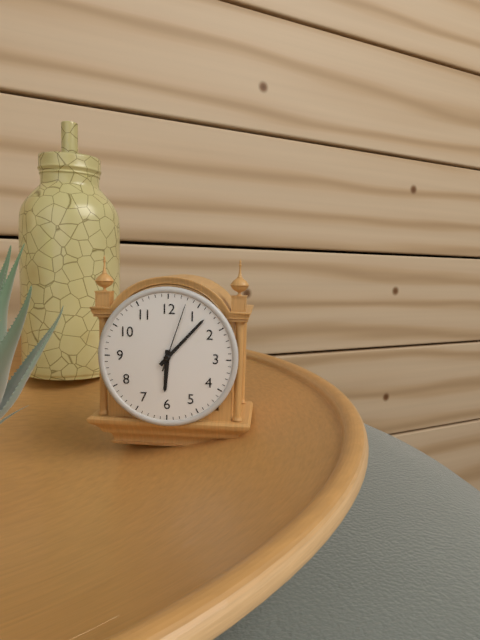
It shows 6h07m03s
